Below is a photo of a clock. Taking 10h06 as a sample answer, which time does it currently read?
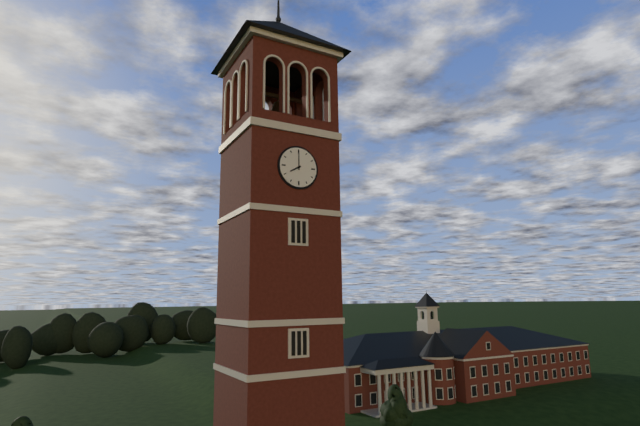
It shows 8h00
